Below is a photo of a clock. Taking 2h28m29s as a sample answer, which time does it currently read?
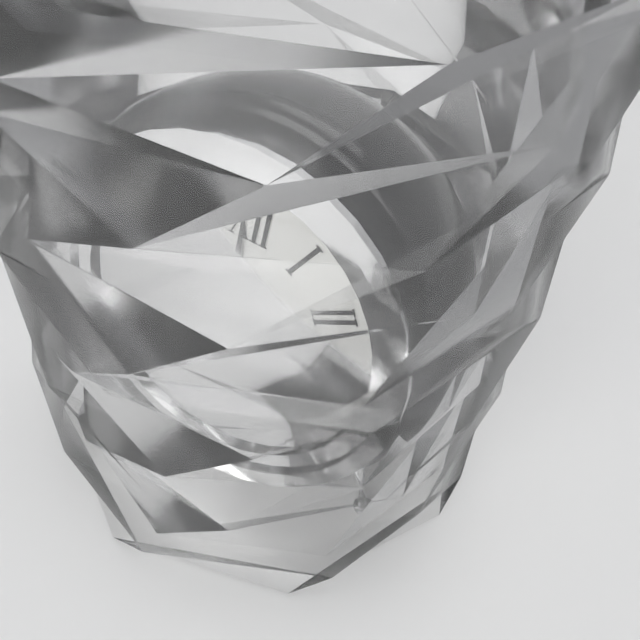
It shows 11h52m17s
